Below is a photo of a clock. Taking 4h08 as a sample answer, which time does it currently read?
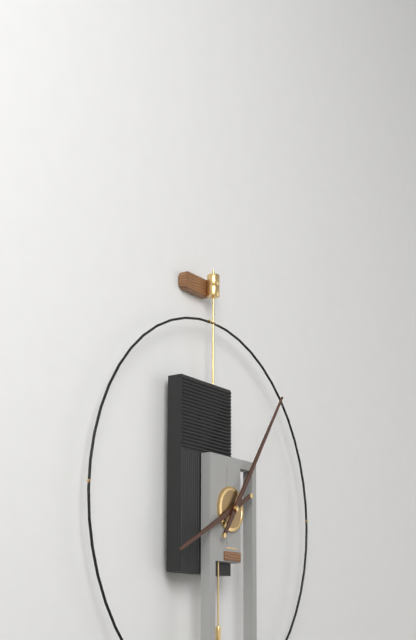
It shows 8h06
